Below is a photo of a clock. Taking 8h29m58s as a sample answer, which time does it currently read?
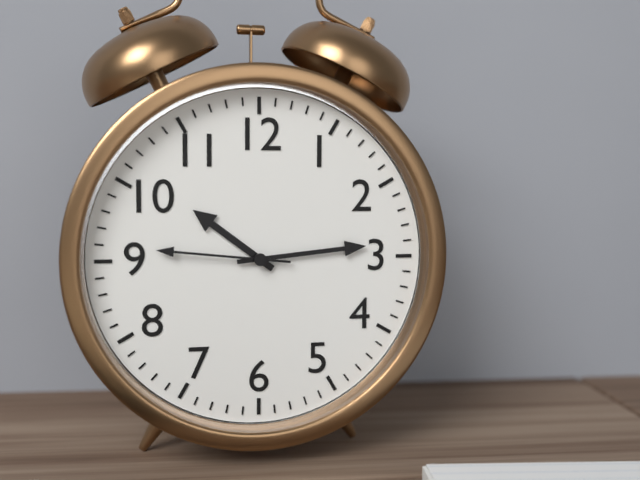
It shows 10h14m46s
